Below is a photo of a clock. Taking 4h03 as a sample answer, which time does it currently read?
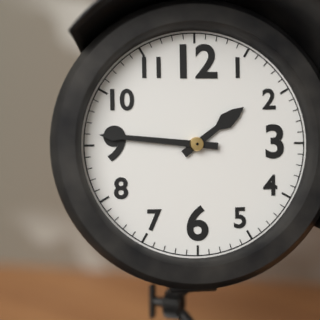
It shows 1h46
